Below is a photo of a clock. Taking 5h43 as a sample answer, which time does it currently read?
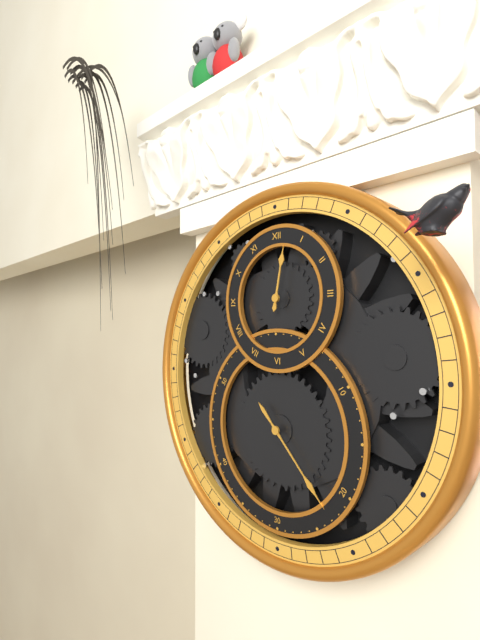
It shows 12h23
